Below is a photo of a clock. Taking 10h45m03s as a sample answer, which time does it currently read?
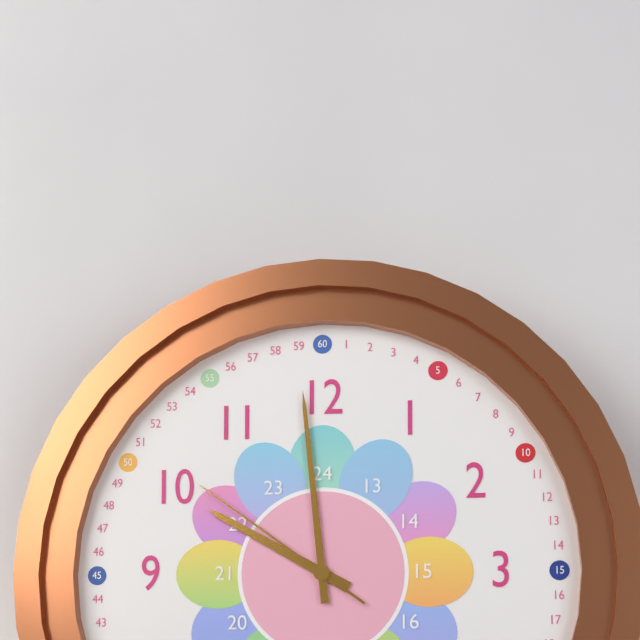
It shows 9h59m51s
